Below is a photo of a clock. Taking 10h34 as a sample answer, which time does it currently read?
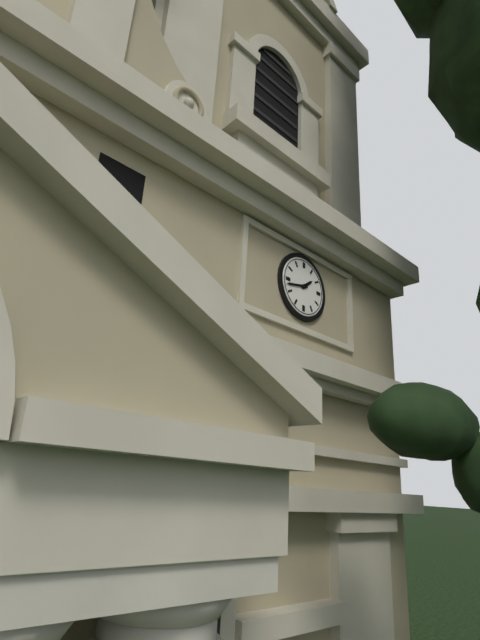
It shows 1h43
